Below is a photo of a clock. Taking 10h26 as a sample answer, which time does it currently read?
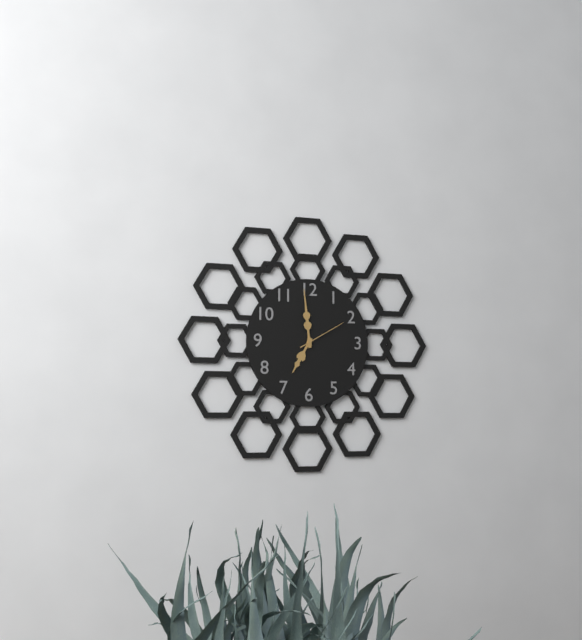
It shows 6h59
